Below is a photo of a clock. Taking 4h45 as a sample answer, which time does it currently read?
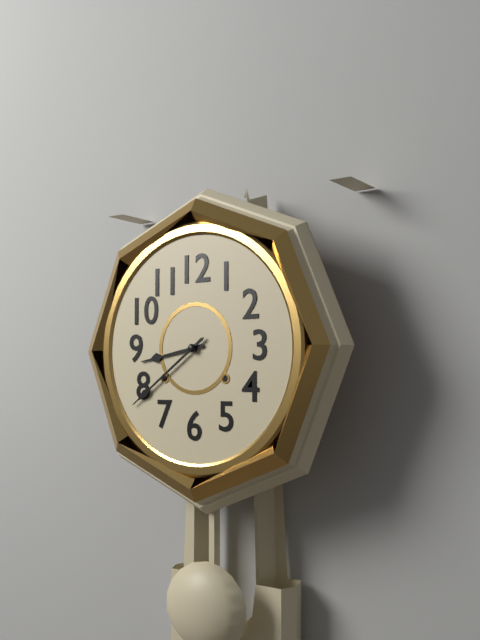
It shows 8h39
